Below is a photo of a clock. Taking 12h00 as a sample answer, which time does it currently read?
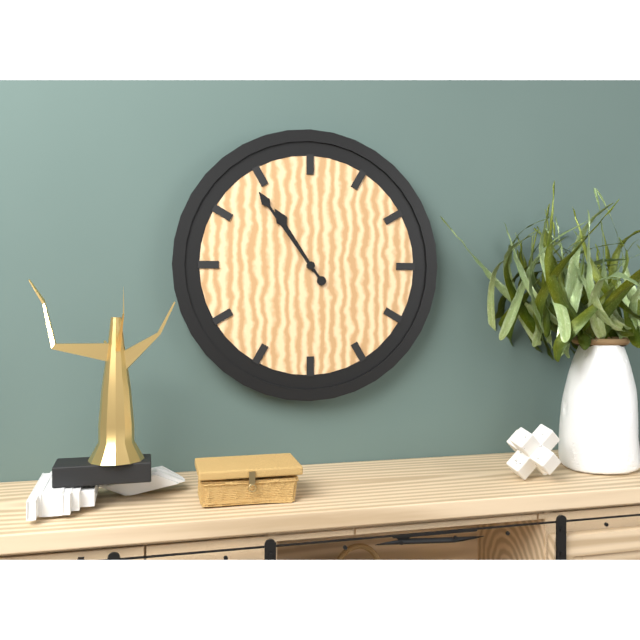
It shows 10h54
